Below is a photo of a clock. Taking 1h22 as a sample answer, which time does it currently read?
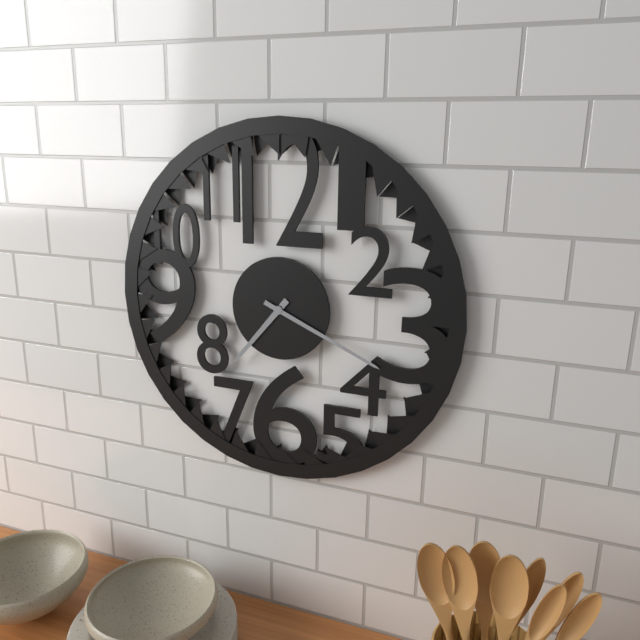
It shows 7h19
